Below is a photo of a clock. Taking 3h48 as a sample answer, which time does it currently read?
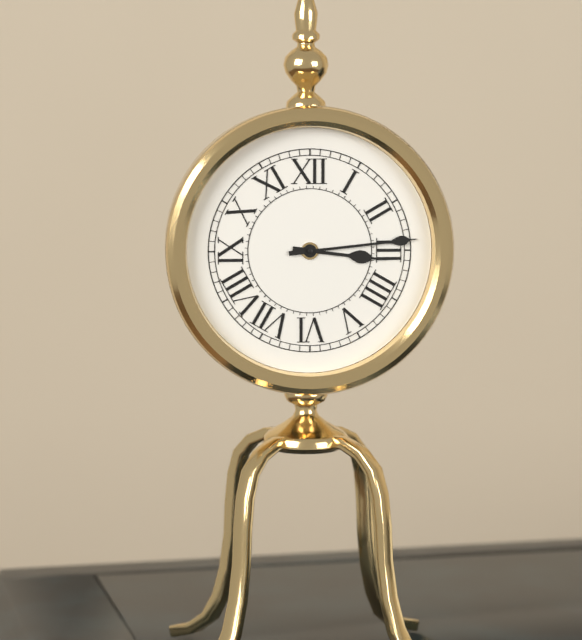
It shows 3h14
